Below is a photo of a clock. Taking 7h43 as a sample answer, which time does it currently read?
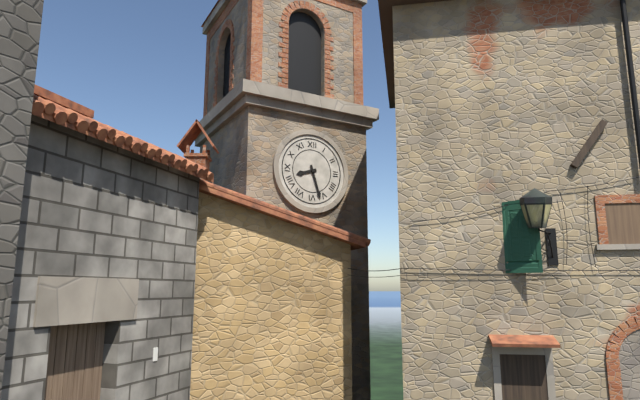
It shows 8h27
